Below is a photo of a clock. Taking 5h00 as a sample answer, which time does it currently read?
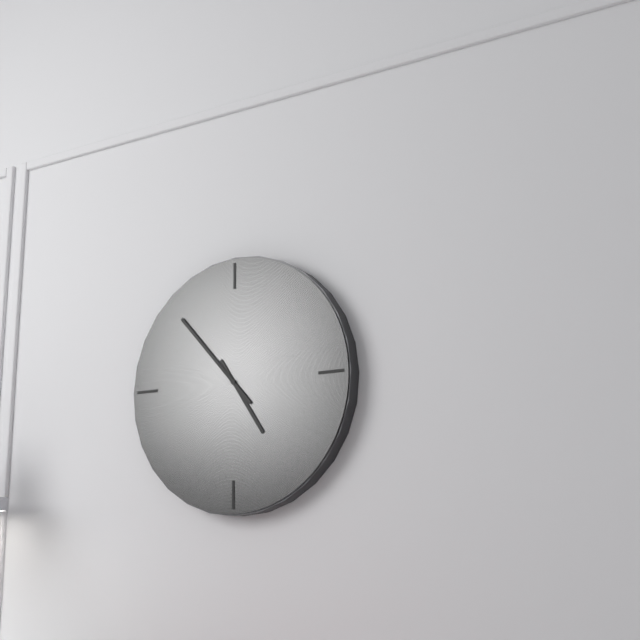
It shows 4h53
